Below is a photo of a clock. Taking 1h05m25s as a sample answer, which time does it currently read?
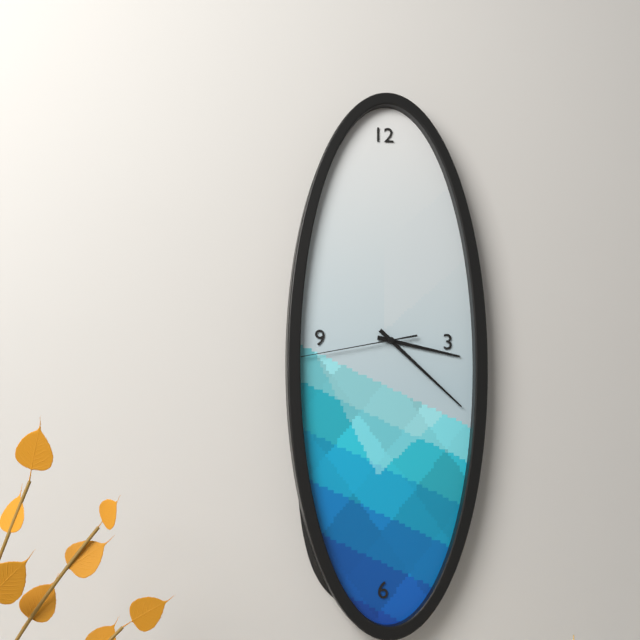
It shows 3h22m43s
